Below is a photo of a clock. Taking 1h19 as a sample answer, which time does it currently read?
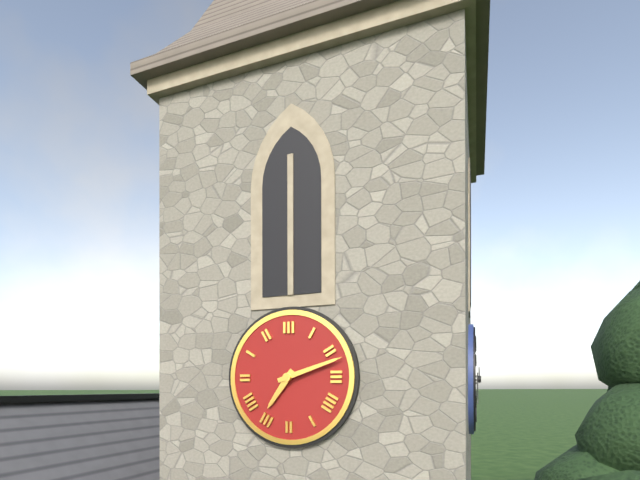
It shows 7h12
